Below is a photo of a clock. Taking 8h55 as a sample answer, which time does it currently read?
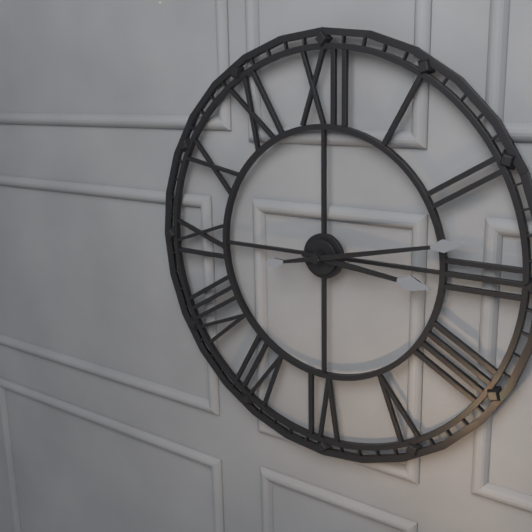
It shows 3h13
